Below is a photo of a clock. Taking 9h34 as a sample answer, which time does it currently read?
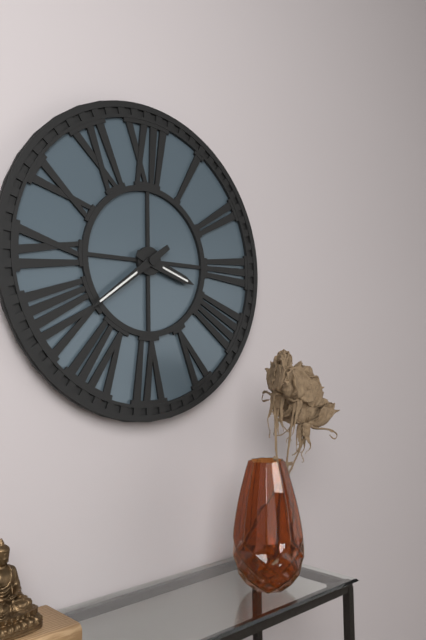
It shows 3h39
